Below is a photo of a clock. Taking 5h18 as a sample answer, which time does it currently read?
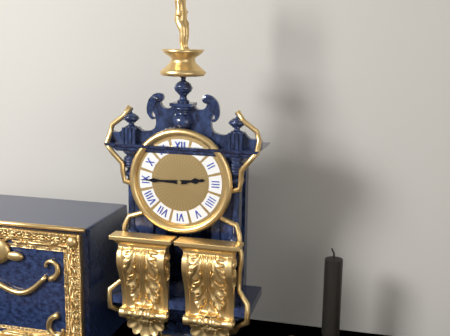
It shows 2h45
